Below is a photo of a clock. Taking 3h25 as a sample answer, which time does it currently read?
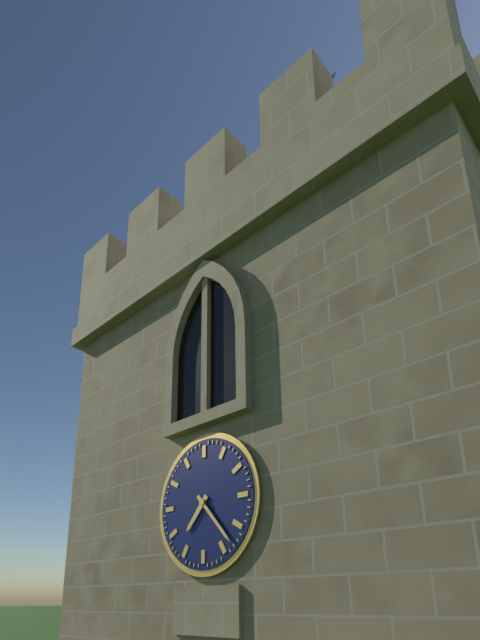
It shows 7h23
